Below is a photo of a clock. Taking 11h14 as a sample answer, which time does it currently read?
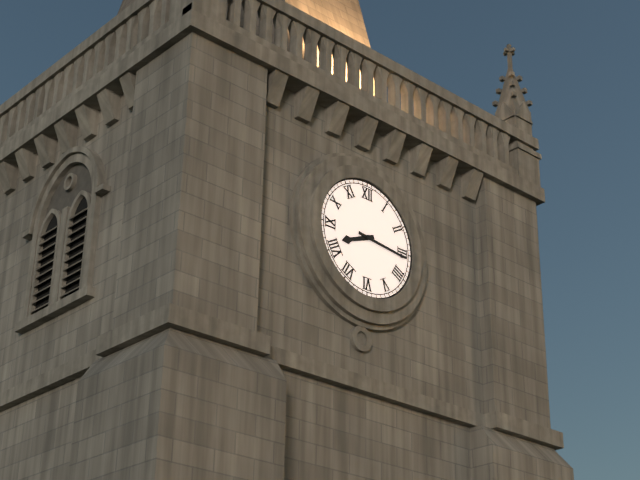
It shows 8h16
